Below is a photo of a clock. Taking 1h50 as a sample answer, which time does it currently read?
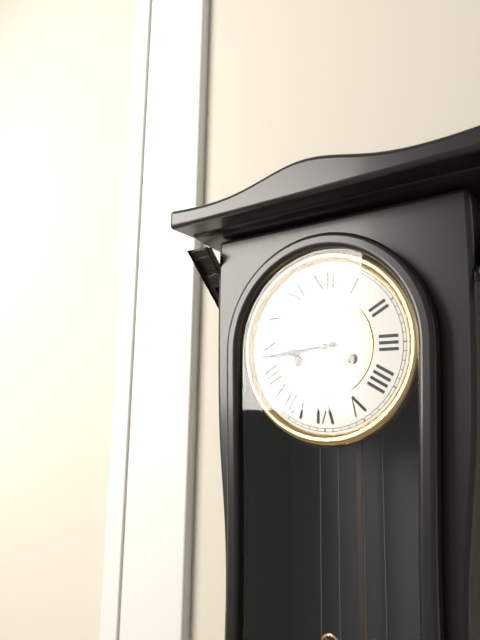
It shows 8h44
